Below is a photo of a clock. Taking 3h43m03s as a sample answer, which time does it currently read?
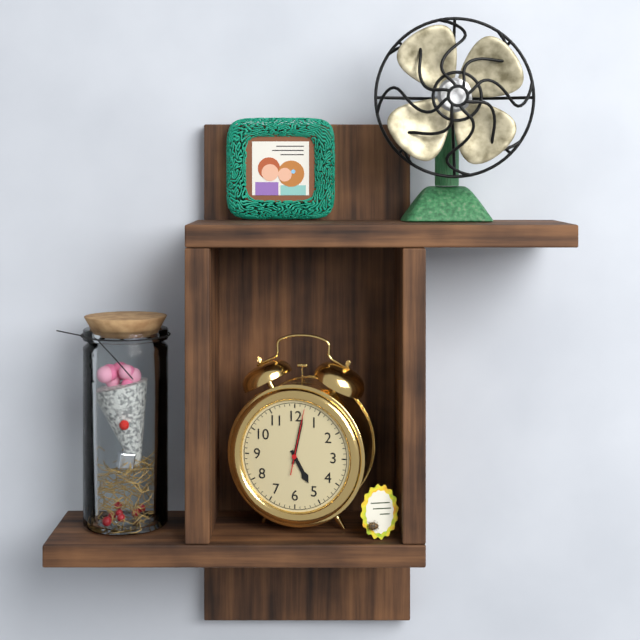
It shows 5h02m02s
